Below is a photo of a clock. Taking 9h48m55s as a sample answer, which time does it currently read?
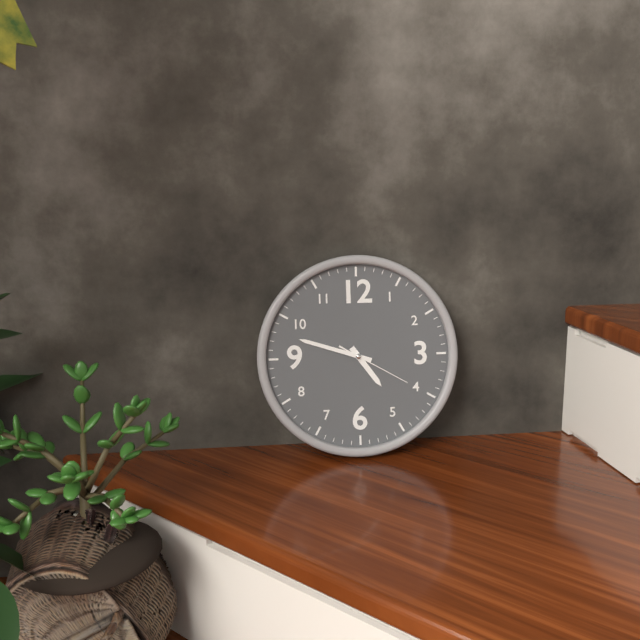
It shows 4h48m20s
